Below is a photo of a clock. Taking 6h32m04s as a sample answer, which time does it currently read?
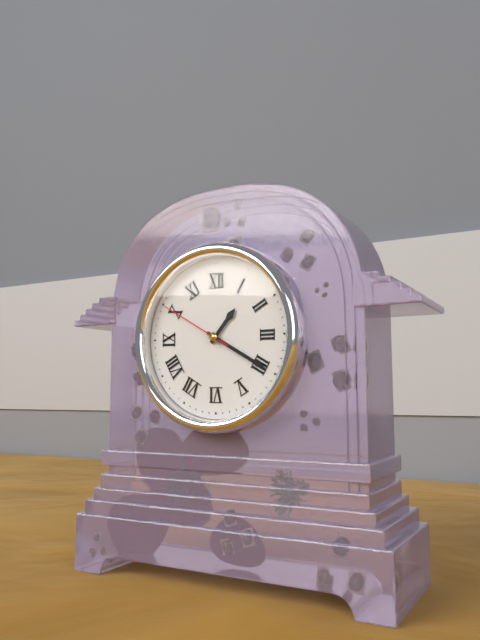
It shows 1h20m50s
